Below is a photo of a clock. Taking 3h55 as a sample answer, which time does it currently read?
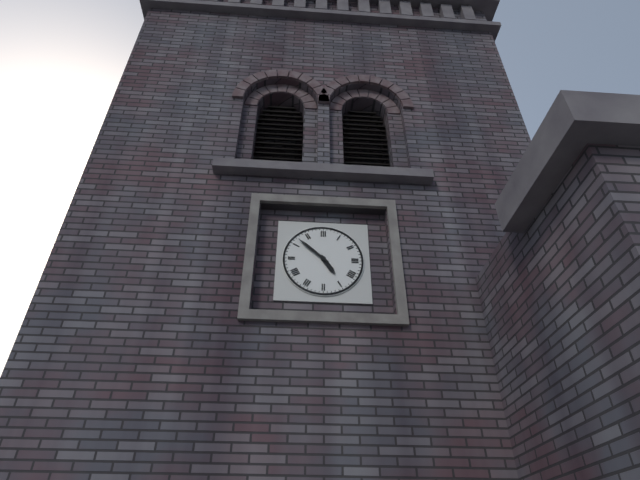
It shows 4h52
